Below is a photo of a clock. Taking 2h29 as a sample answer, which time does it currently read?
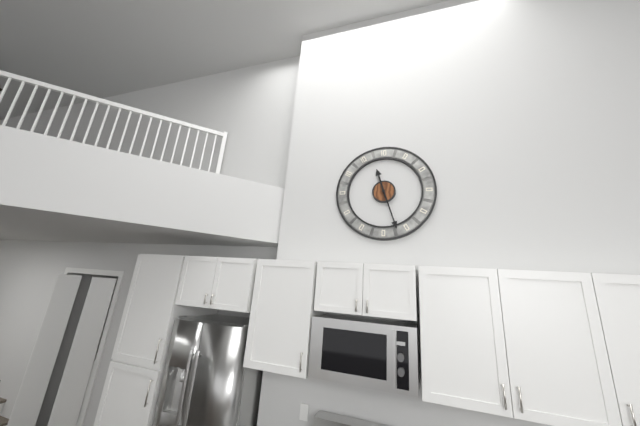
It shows 11h27
